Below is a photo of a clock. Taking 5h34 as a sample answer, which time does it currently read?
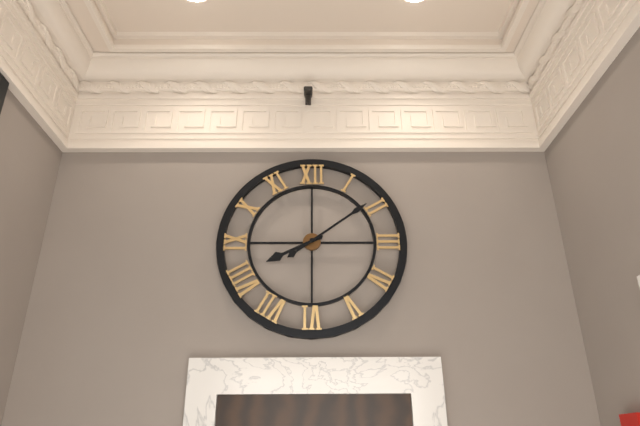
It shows 8h09
